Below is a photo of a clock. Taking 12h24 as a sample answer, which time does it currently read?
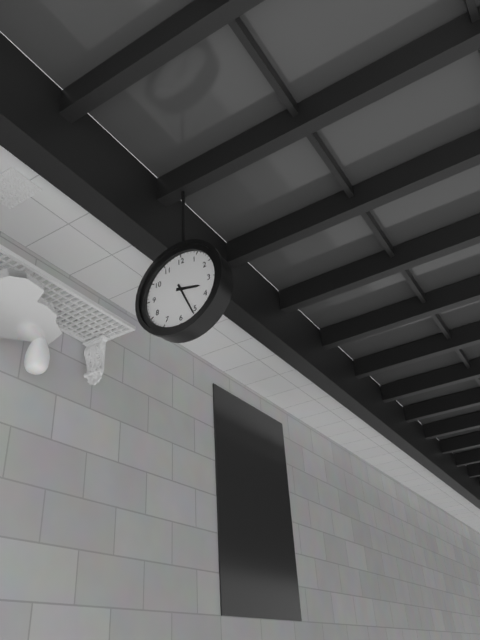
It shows 3h26
